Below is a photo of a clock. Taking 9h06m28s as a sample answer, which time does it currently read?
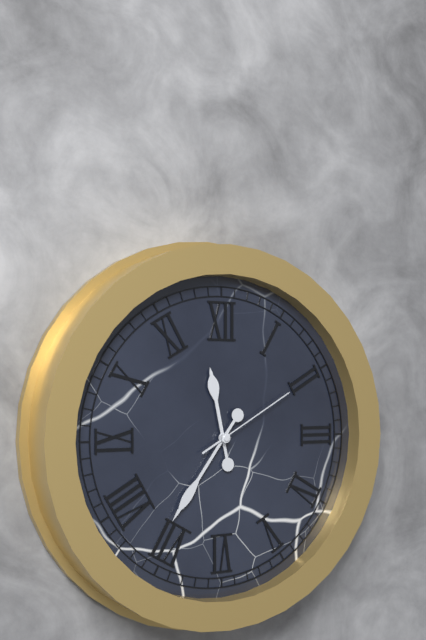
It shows 11h36m10s
